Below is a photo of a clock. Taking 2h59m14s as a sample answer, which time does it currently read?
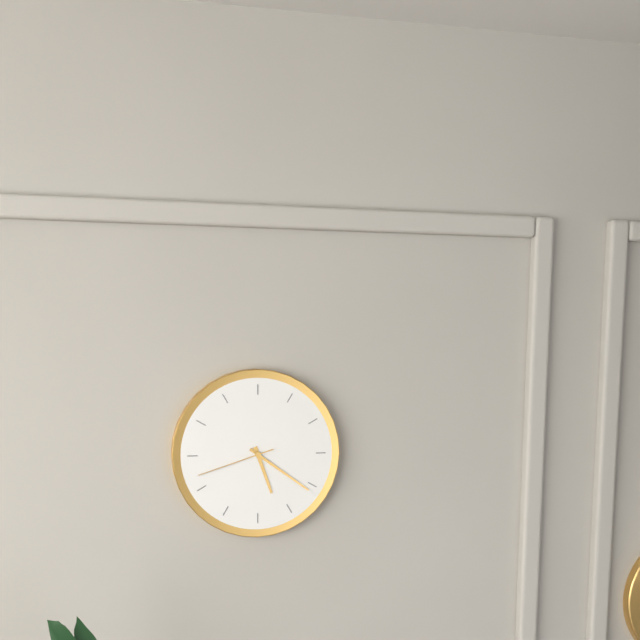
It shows 5h21m42s
